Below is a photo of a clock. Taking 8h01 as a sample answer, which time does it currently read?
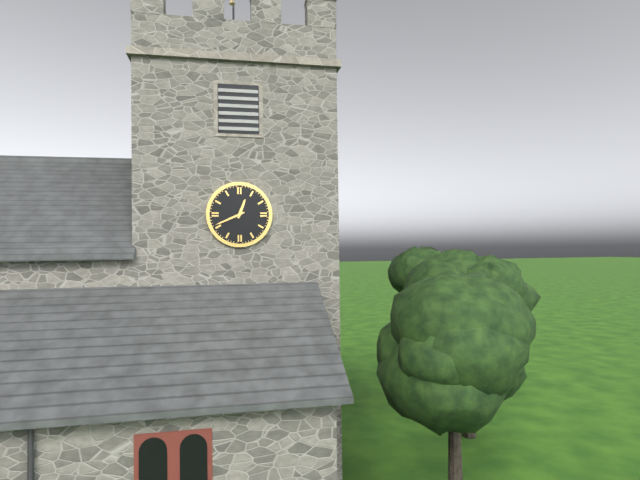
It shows 12h41
